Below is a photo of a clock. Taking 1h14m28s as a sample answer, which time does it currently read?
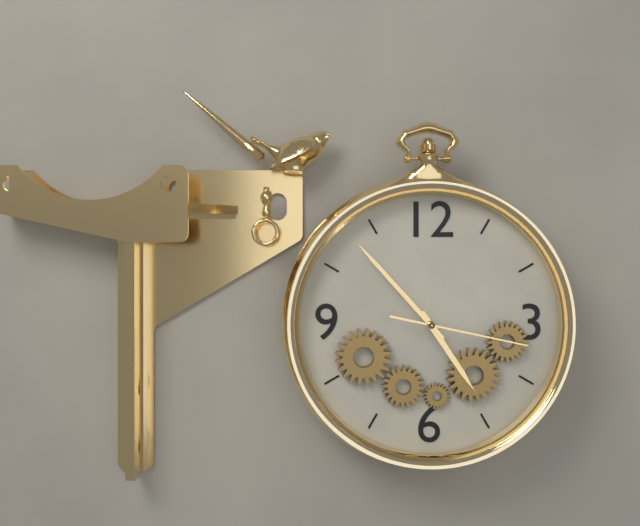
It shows 4h53m17s
